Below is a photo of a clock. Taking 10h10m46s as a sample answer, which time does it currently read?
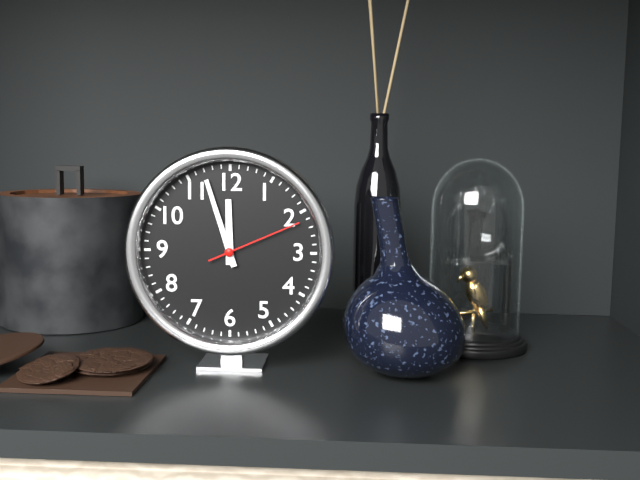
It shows 11h57m11s
